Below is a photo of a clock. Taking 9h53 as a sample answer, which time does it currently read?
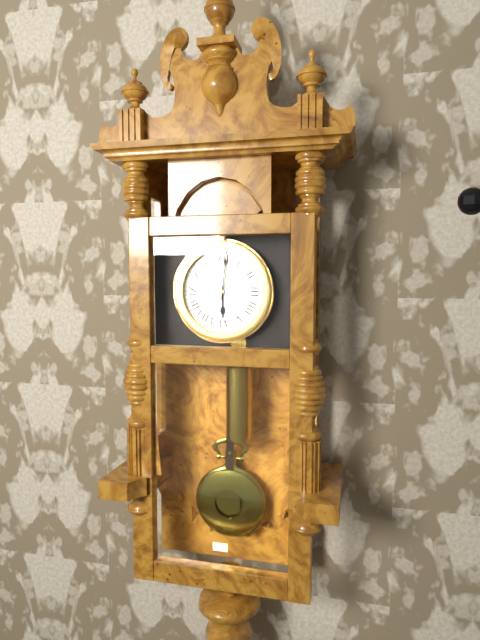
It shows 6h01
